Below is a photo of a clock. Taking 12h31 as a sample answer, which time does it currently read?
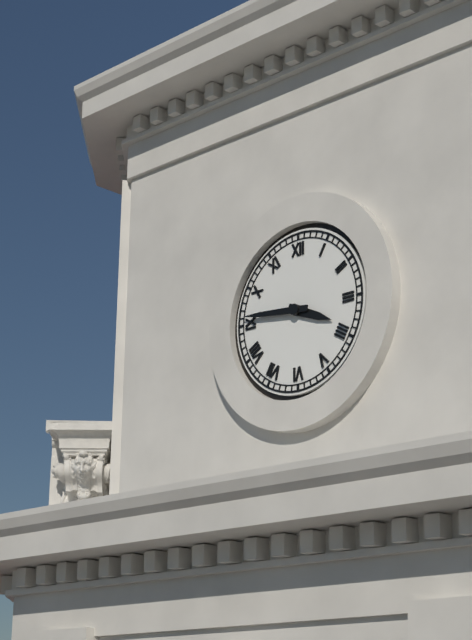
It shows 3h46
